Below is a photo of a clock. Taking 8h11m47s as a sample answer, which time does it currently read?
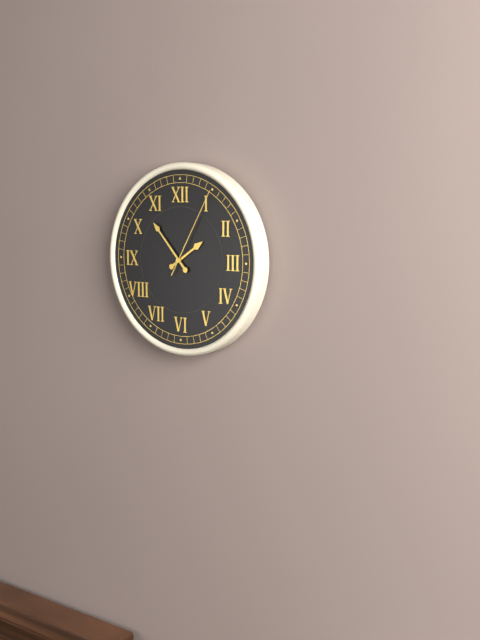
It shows 1h53m05s
